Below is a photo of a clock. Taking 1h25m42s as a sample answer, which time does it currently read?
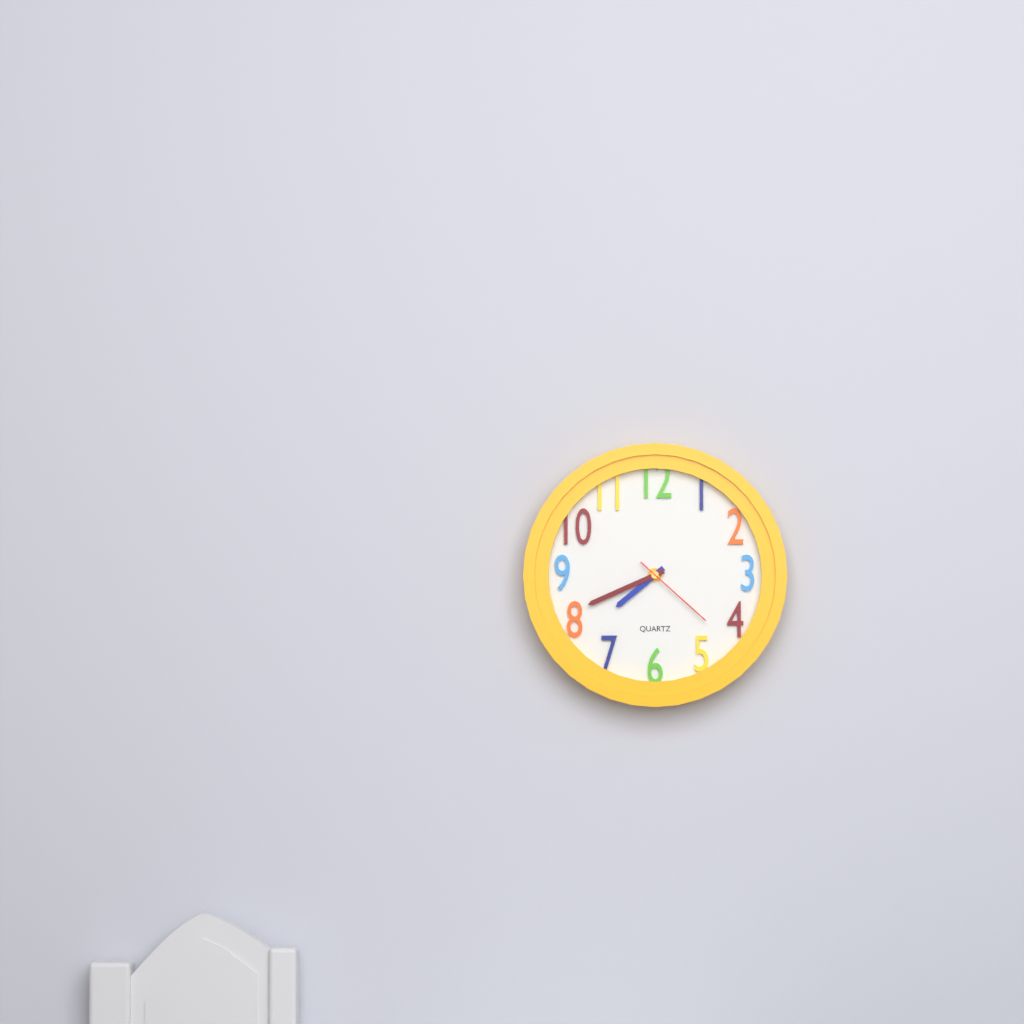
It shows 7h41m22s
